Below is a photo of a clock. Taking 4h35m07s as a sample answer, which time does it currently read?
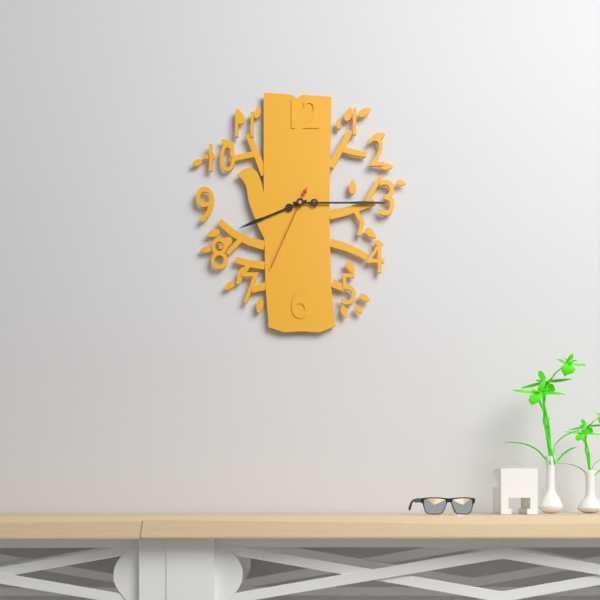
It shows 8h15m34s
